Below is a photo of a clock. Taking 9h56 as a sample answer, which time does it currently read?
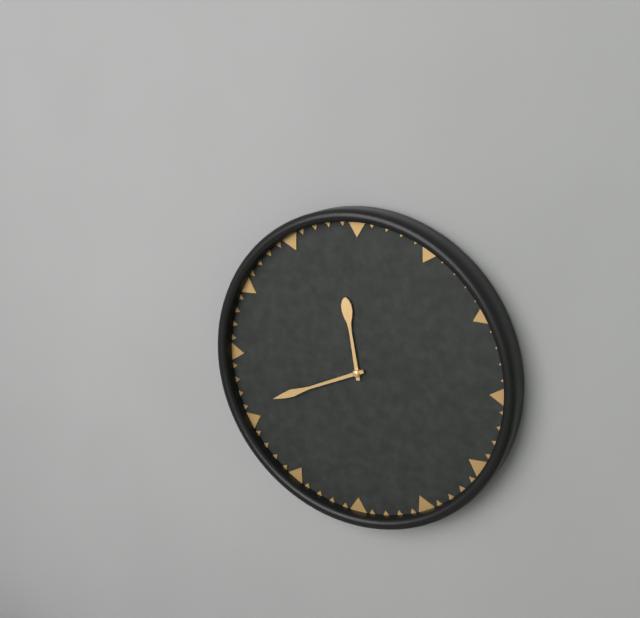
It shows 11h41
